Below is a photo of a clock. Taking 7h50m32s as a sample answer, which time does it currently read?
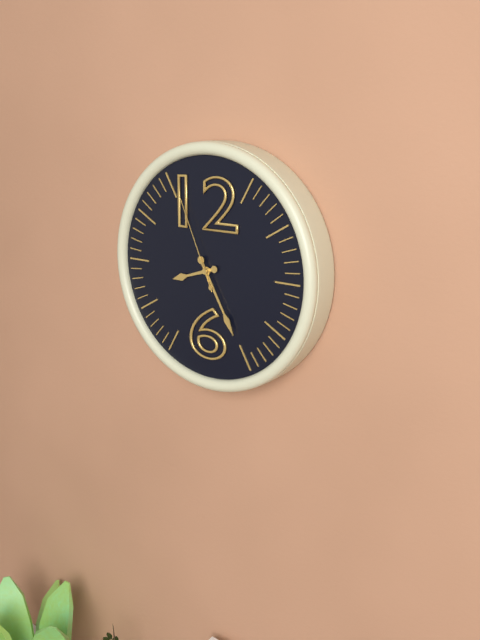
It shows 8h25m56s
